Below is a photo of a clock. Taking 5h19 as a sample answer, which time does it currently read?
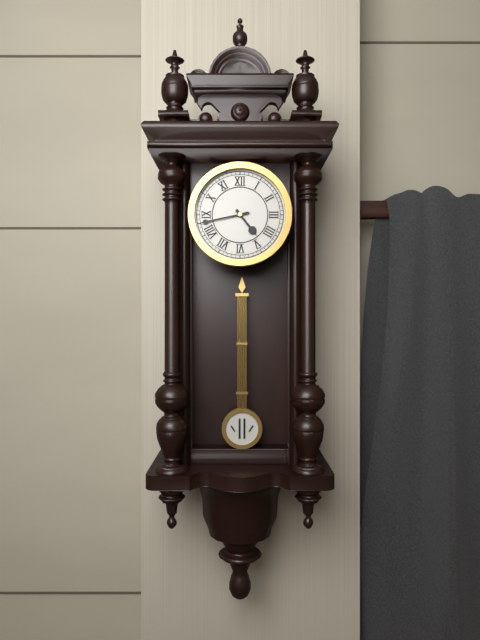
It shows 4h43
